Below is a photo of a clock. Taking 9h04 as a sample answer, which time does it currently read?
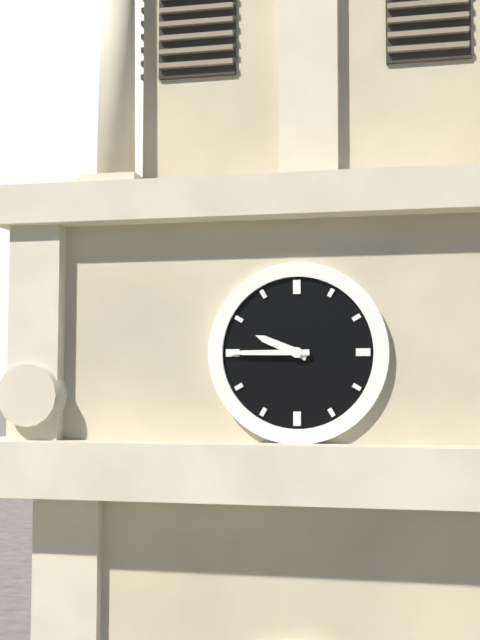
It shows 9h45
